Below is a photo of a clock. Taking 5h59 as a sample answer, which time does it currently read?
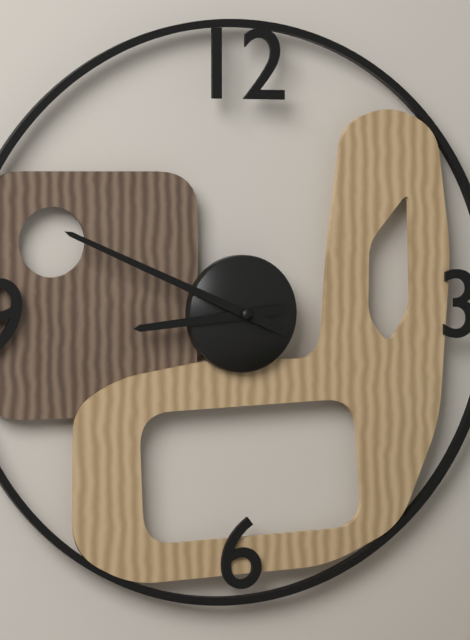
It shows 8h49
